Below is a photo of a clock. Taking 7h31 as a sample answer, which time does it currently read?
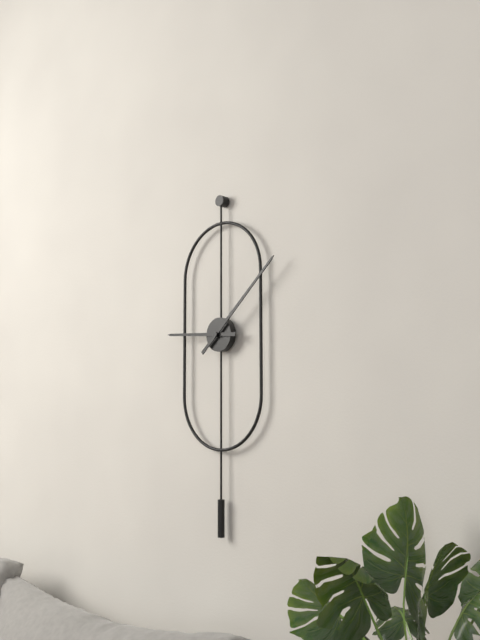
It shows 9h08
